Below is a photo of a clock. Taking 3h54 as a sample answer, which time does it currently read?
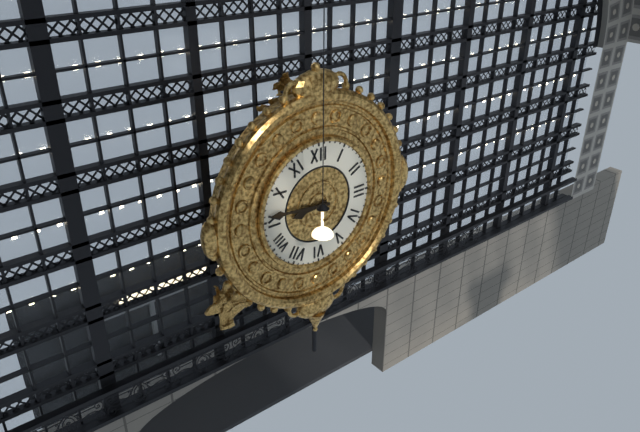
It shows 8h46
